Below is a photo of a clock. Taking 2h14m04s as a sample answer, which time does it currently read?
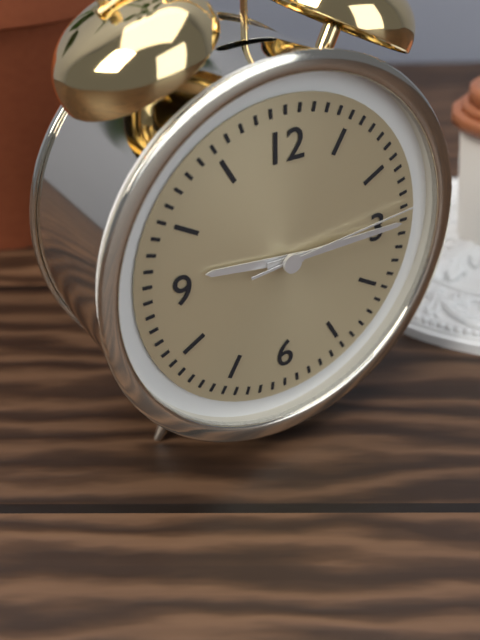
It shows 9h15m14s
